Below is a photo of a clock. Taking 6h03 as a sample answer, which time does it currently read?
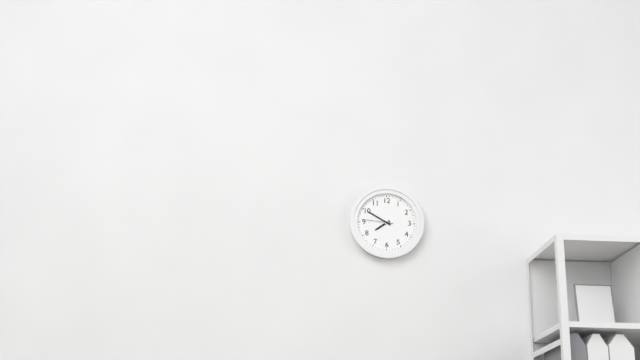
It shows 7h50
